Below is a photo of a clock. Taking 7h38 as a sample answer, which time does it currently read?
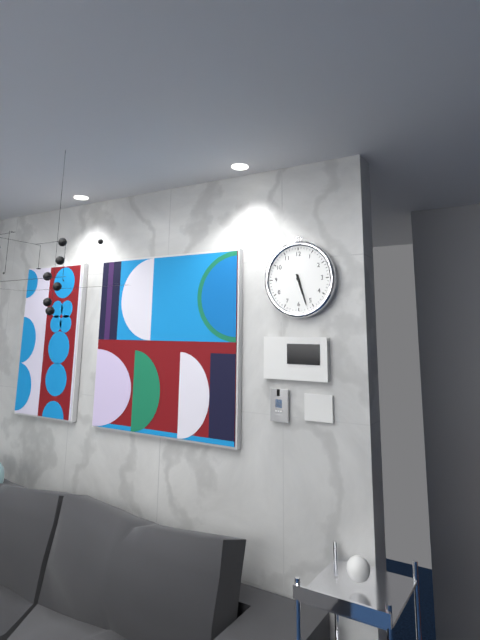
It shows 5h27
